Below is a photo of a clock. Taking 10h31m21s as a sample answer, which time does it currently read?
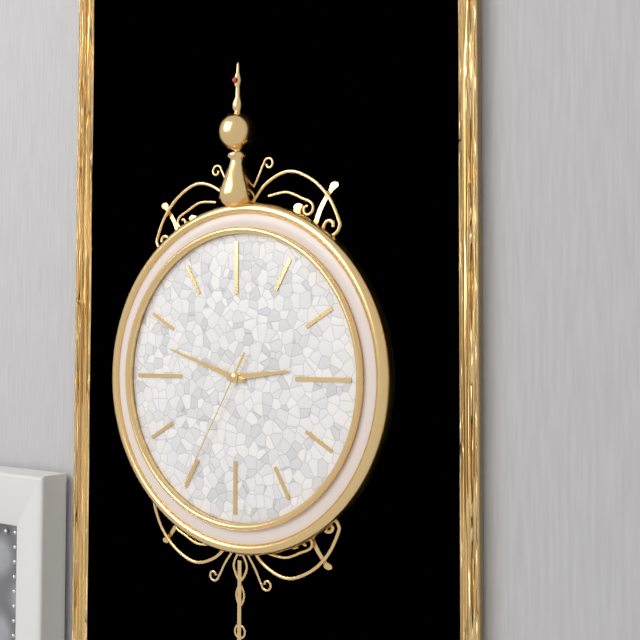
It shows 2h48m35s
